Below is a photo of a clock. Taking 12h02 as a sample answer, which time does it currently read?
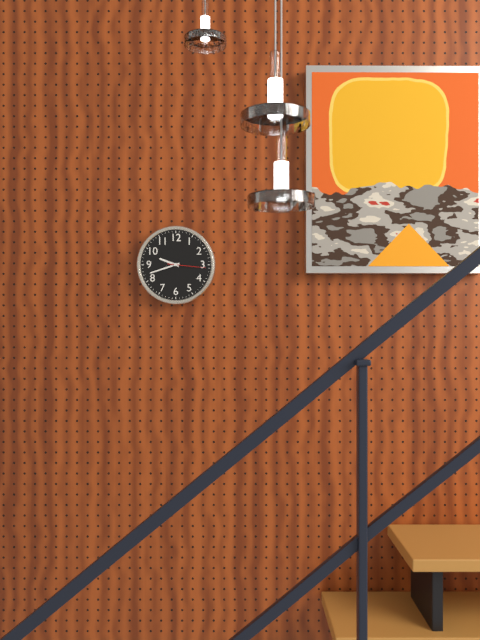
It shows 9h42
